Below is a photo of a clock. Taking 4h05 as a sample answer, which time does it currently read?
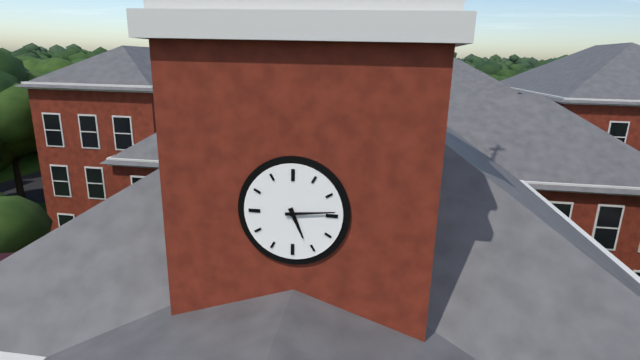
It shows 5h14
